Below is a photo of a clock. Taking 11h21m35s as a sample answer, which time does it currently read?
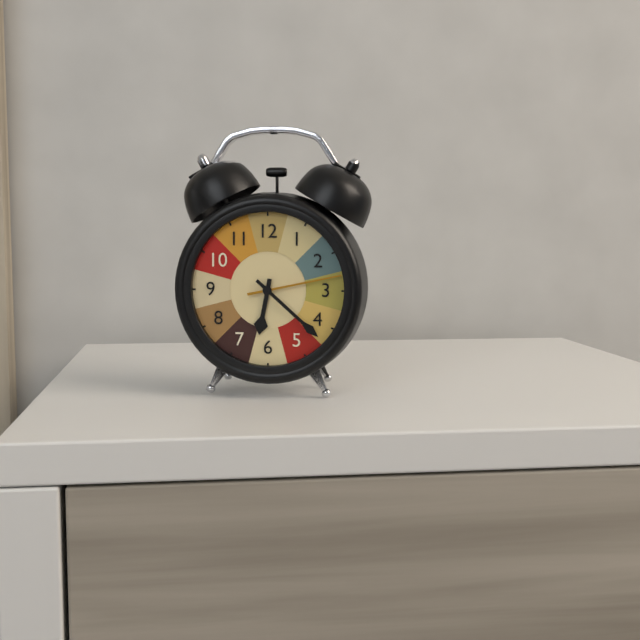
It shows 6h22m13s
